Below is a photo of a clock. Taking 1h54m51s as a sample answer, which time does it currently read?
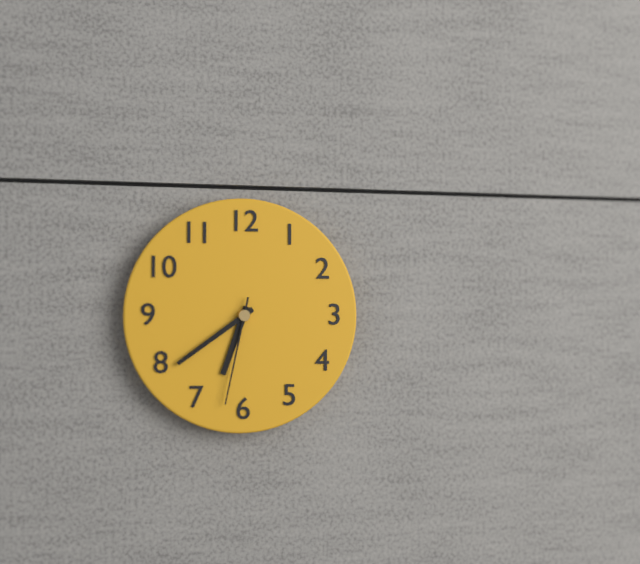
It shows 6h39m32s
